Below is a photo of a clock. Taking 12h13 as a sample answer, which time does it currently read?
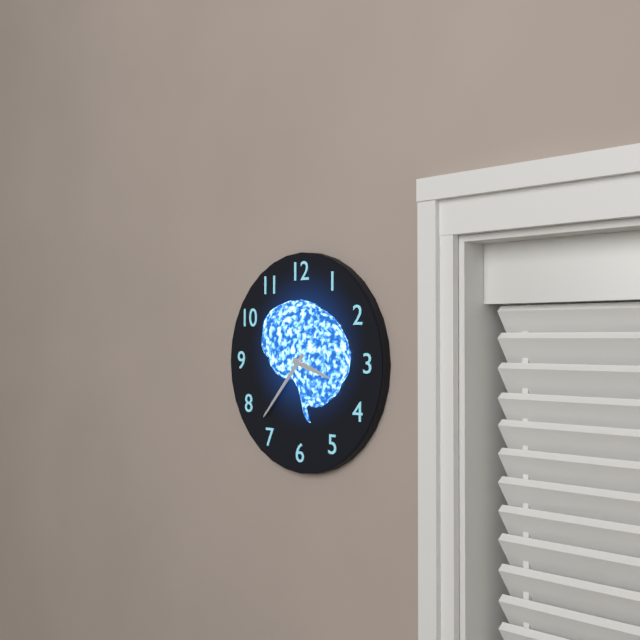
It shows 3h37
